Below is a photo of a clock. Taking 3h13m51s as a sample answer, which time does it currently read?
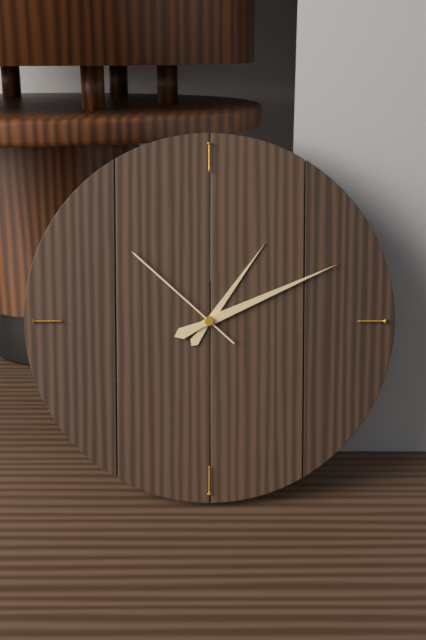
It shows 1h11m52s
